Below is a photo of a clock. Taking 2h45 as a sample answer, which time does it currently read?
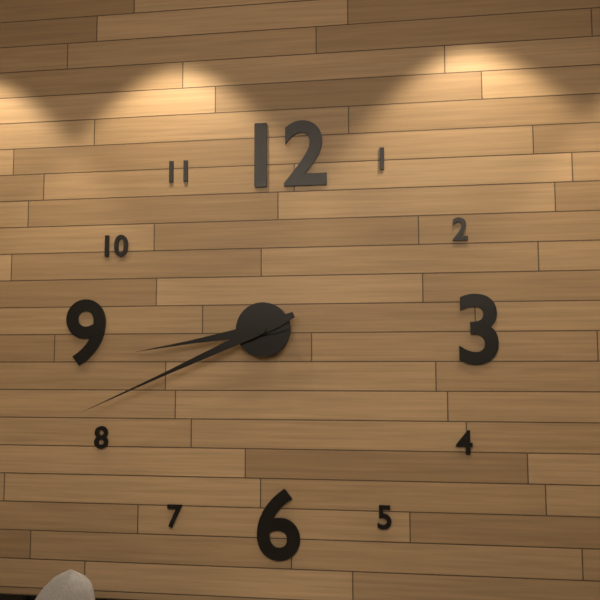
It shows 8h41
